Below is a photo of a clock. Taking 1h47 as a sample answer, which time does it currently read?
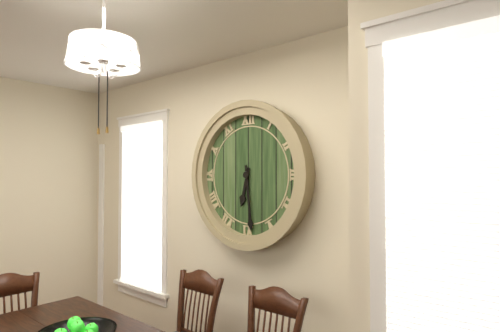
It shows 6h29
